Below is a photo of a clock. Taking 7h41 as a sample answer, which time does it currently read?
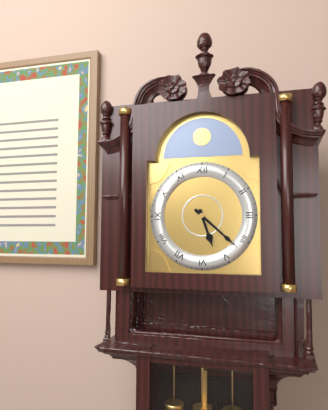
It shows 5h22
